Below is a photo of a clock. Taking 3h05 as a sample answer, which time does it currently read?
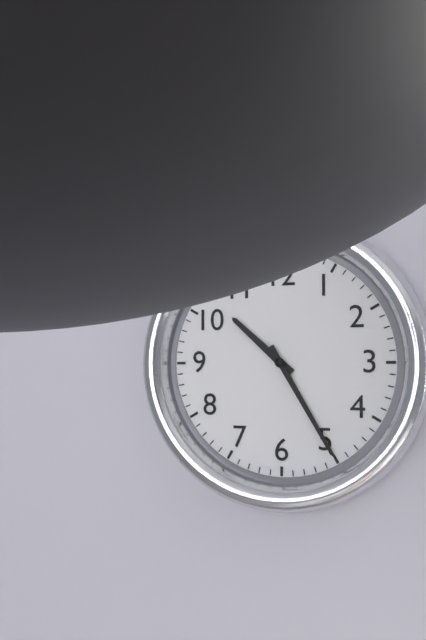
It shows 10h25
